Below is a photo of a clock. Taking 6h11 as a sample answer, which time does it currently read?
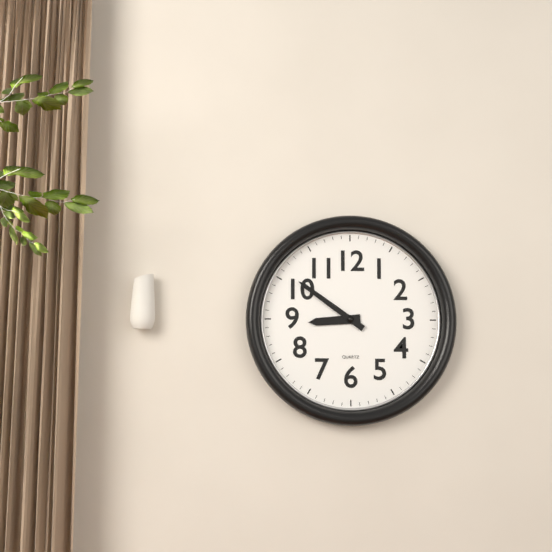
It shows 8h51
